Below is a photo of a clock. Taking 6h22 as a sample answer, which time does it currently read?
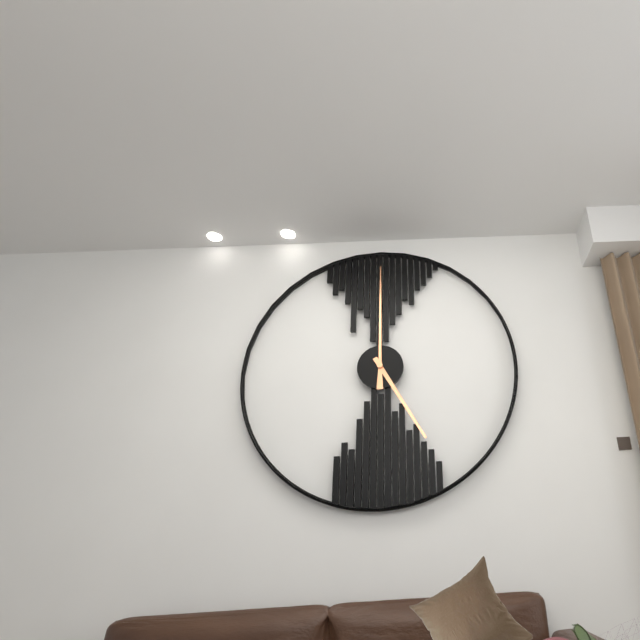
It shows 5h00
